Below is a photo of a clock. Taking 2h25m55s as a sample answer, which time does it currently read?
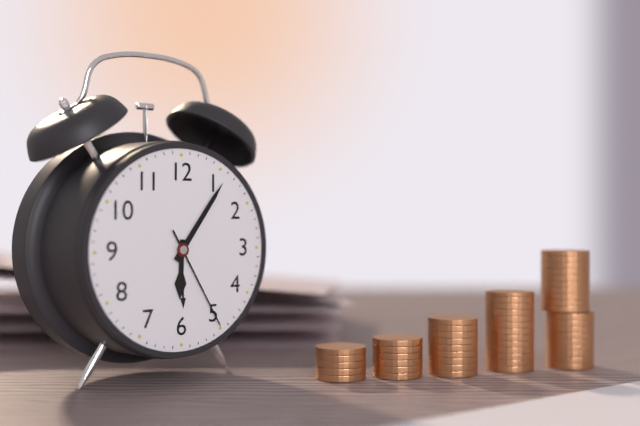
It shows 6h06m25s
